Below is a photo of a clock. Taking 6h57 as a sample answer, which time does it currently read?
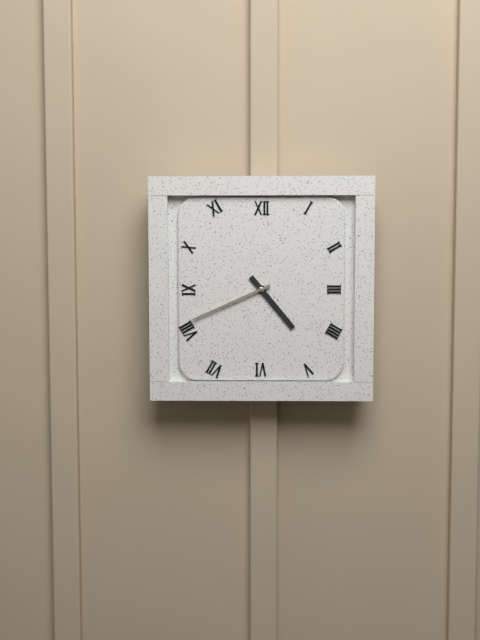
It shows 4h41
